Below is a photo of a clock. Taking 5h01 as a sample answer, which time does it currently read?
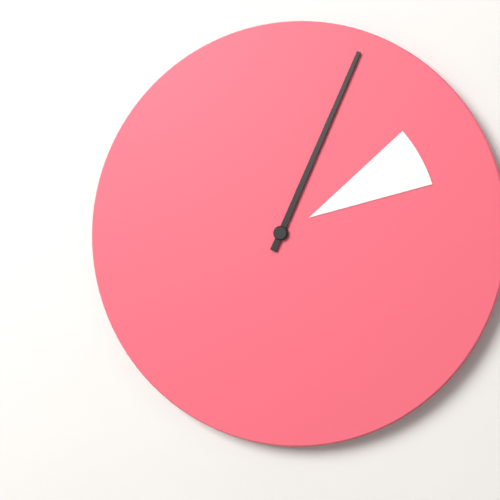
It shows 2h04
